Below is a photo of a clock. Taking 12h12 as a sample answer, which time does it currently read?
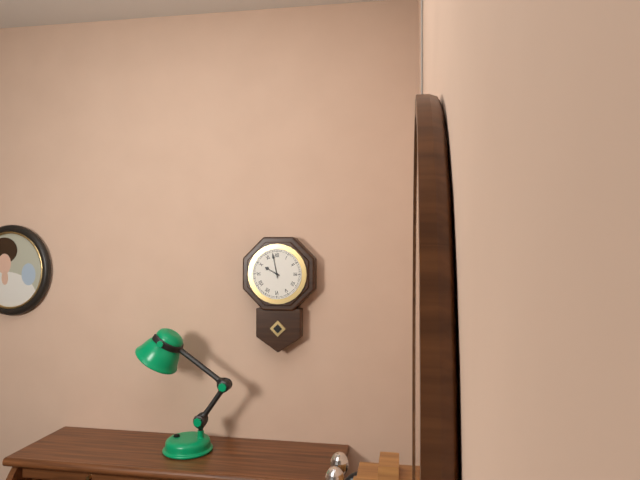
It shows 9h58
